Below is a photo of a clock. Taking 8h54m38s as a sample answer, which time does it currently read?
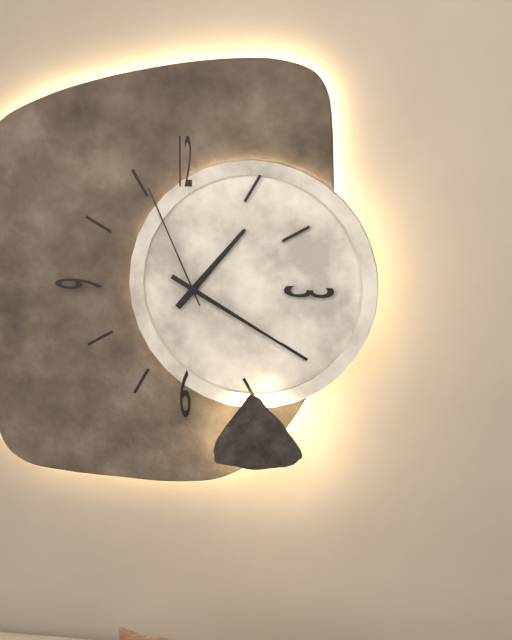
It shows 1h20m56s
